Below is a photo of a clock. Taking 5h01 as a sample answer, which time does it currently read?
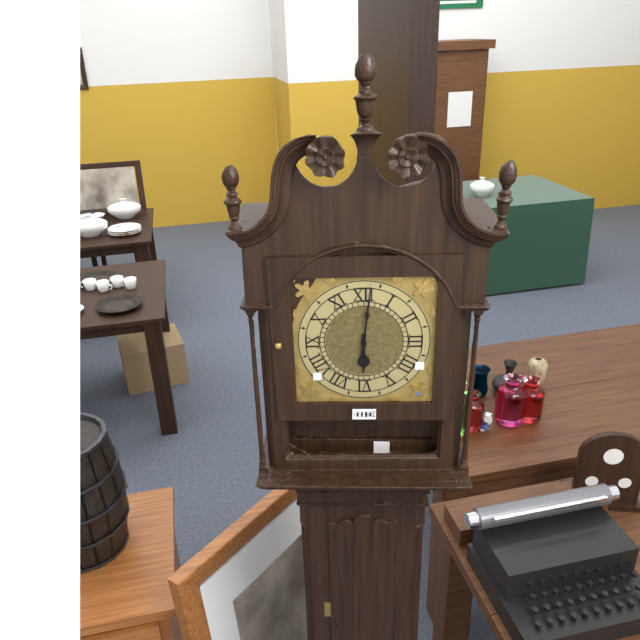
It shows 6h01
